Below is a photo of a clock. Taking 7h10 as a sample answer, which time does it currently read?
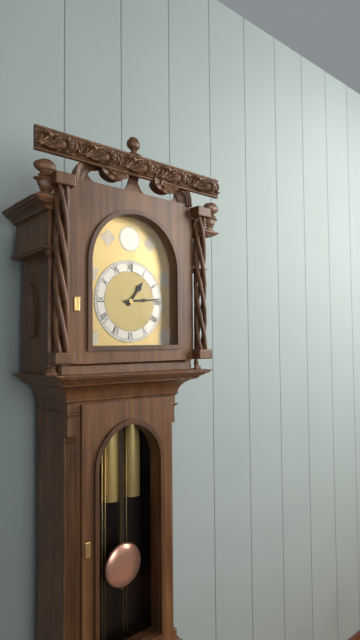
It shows 1h14
